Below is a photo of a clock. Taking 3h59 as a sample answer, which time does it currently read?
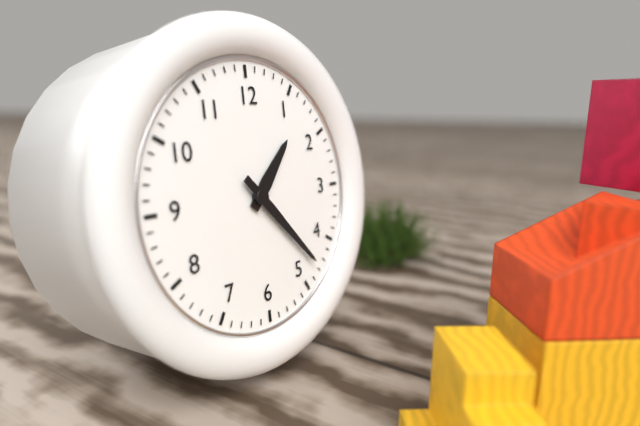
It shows 1h23
